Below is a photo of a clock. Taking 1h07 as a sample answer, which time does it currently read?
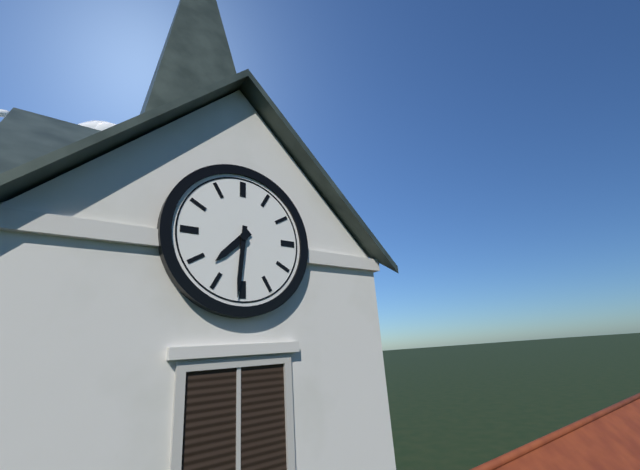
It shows 7h31
